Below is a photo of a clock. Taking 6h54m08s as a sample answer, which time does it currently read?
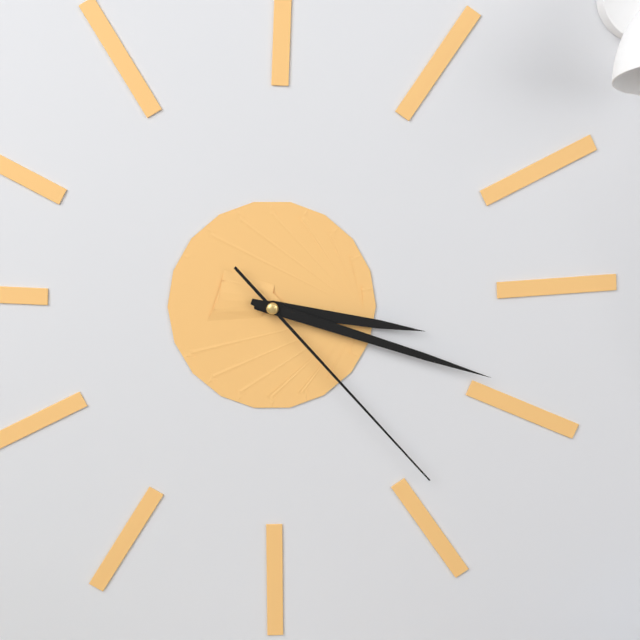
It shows 3h18m23s
